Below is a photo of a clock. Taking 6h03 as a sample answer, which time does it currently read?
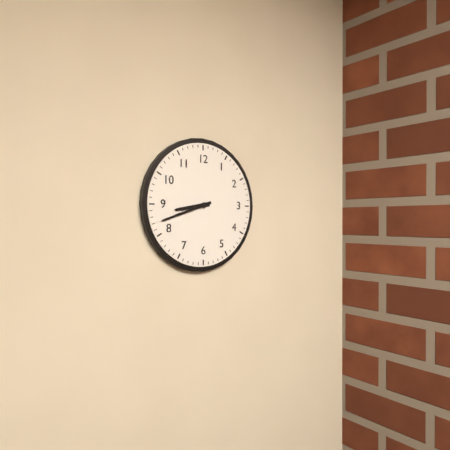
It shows 8h42
